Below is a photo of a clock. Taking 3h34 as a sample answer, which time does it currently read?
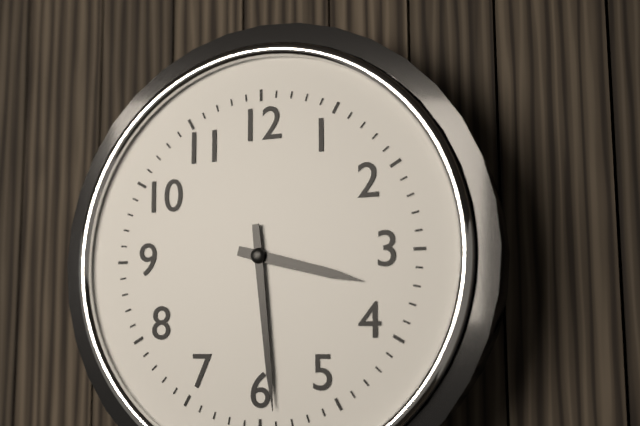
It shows 3h29
